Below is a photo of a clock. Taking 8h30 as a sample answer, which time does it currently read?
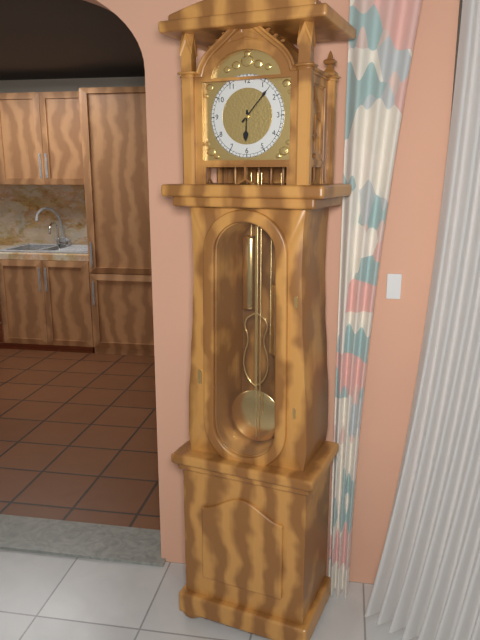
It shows 6h07
